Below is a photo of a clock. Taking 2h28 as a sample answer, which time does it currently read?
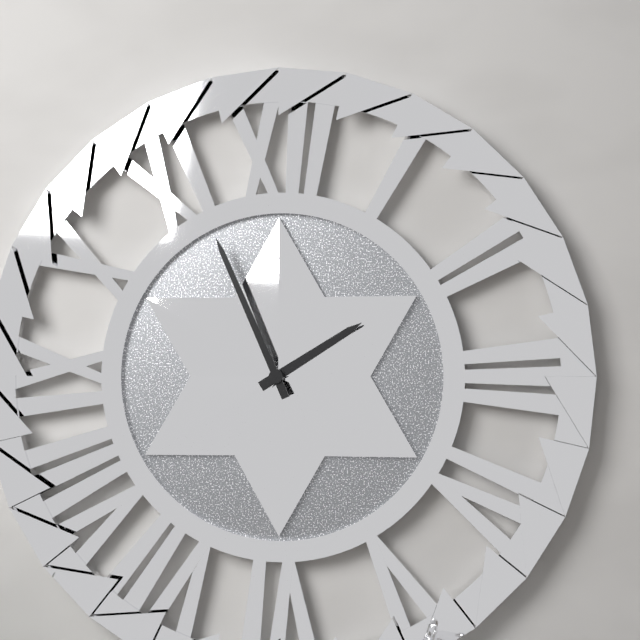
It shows 1h56
